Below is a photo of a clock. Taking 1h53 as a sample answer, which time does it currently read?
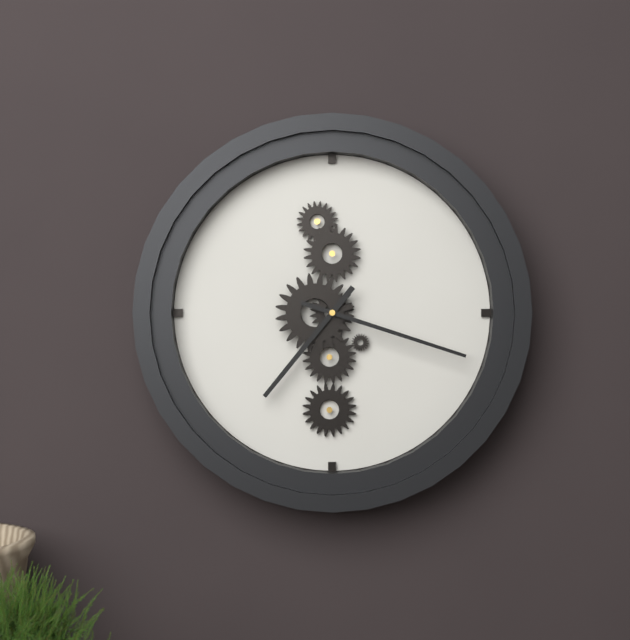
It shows 7h18
